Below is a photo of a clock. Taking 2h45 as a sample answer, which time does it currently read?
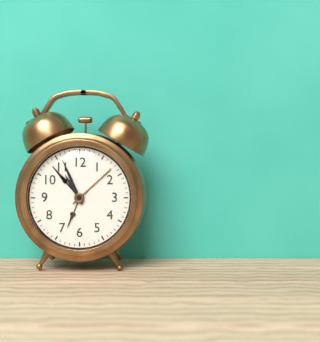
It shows 10h56
